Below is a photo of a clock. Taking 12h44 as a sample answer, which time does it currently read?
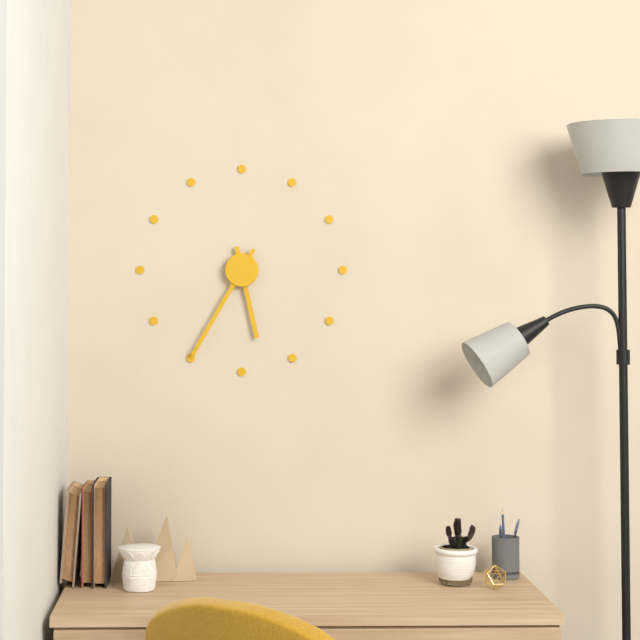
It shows 5h35
